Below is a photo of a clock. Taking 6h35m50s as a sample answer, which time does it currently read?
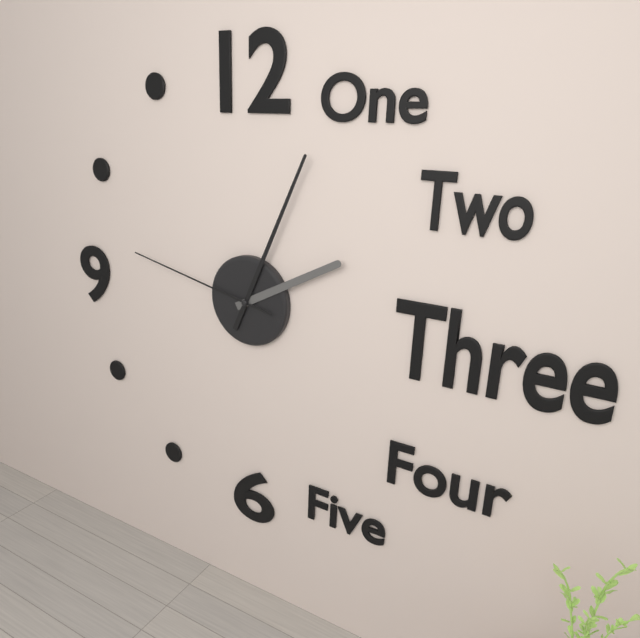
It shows 2h04m47s
